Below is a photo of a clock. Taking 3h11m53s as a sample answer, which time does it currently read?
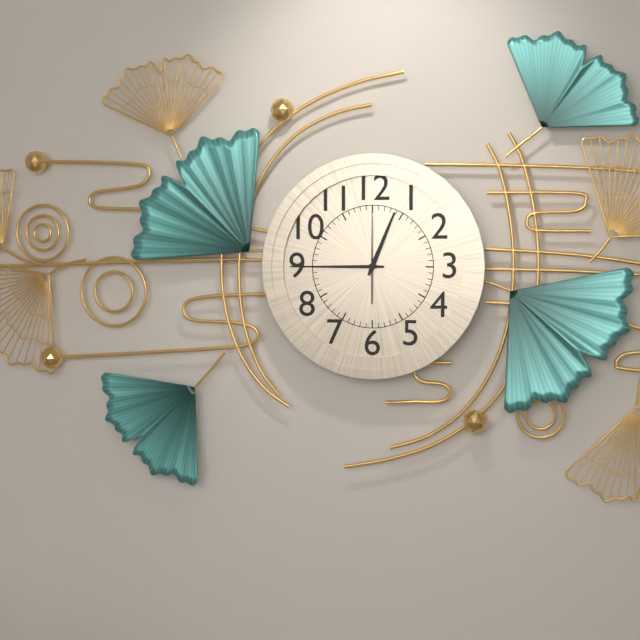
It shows 12h45m00s
